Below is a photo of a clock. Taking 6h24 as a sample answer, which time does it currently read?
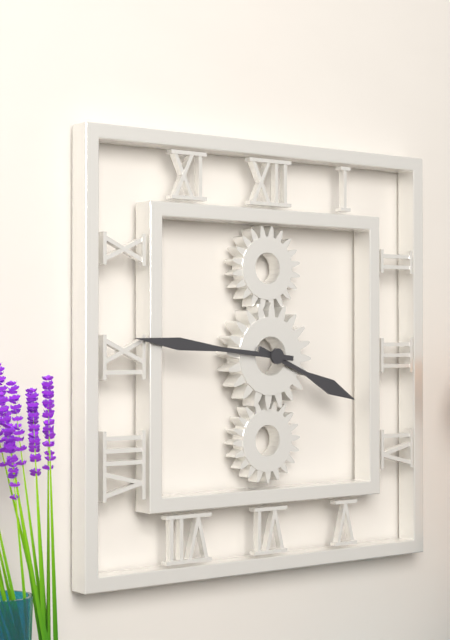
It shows 3h46
